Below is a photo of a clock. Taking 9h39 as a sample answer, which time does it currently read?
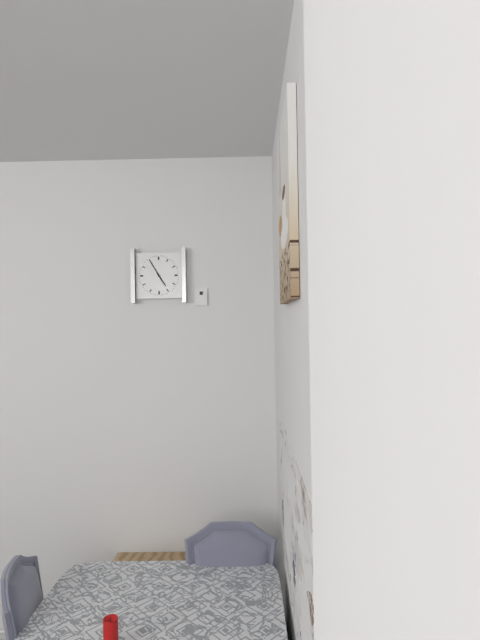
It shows 4h55
